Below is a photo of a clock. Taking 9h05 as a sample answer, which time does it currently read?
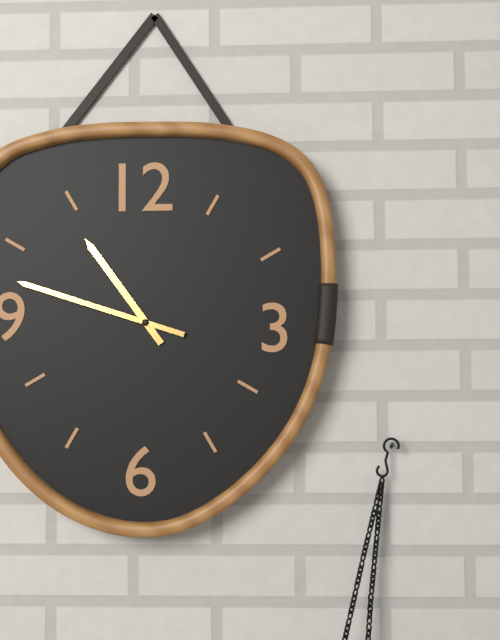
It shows 10h48
